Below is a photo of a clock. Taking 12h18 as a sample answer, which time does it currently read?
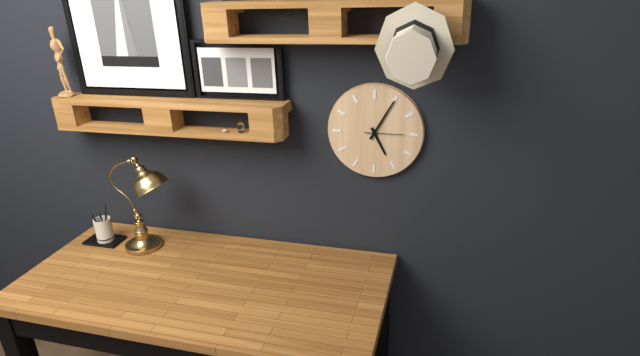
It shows 5h05
